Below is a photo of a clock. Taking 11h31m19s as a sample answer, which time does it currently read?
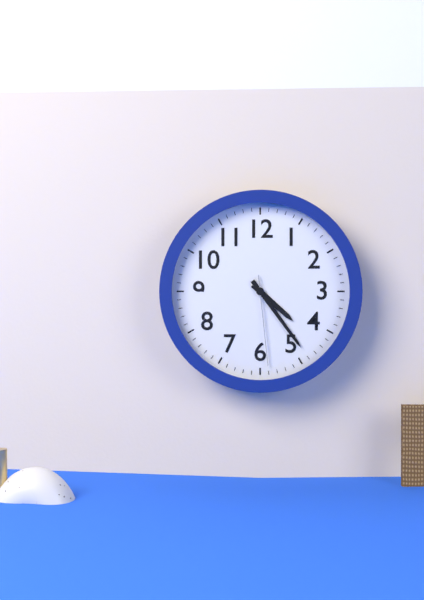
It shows 4h24m29s
